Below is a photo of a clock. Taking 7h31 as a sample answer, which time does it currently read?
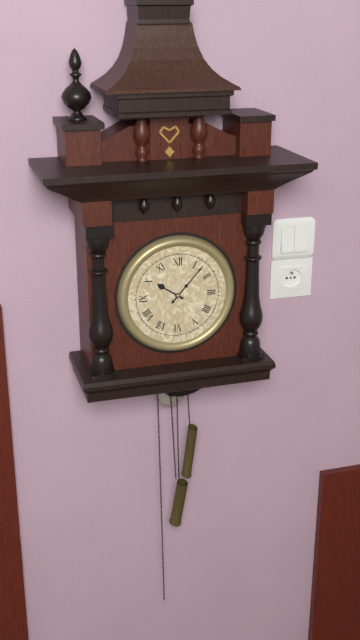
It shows 10h07
